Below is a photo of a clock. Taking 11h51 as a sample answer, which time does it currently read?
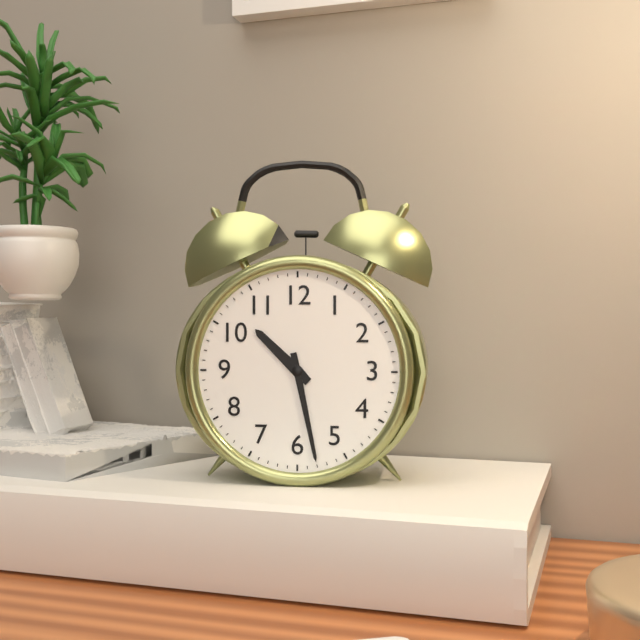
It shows 10h28
